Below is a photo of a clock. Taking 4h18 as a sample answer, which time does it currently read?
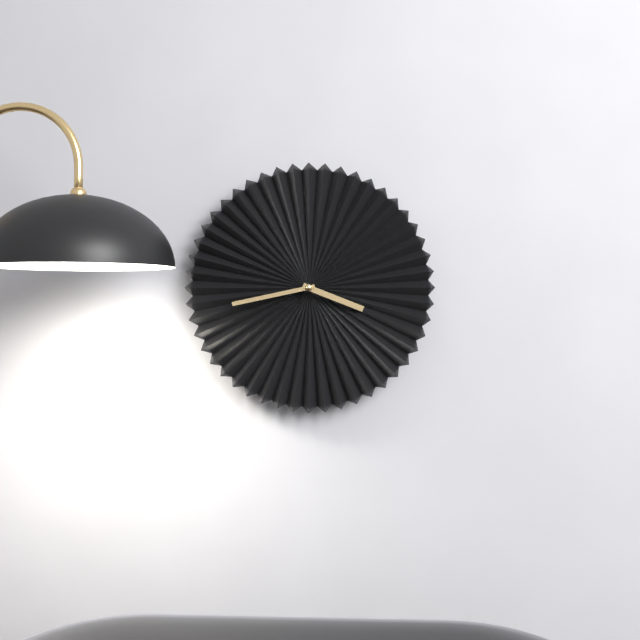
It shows 3h43
